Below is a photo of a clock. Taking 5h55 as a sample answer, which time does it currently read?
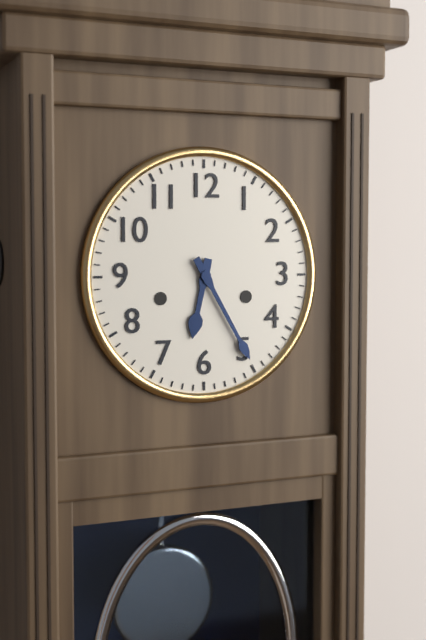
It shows 6h25
